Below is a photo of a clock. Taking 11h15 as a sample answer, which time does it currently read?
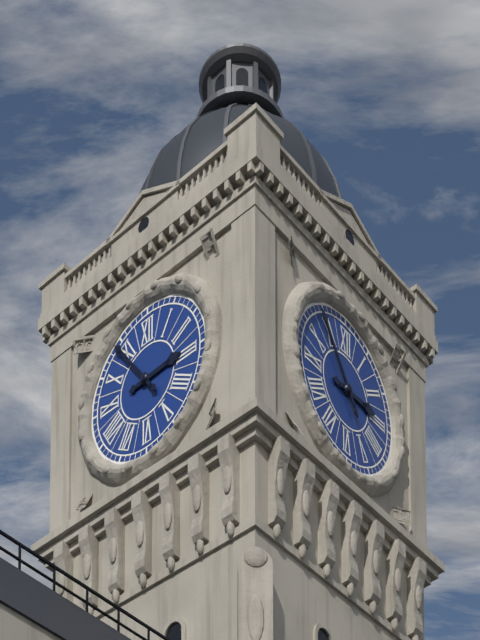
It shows 2h54
